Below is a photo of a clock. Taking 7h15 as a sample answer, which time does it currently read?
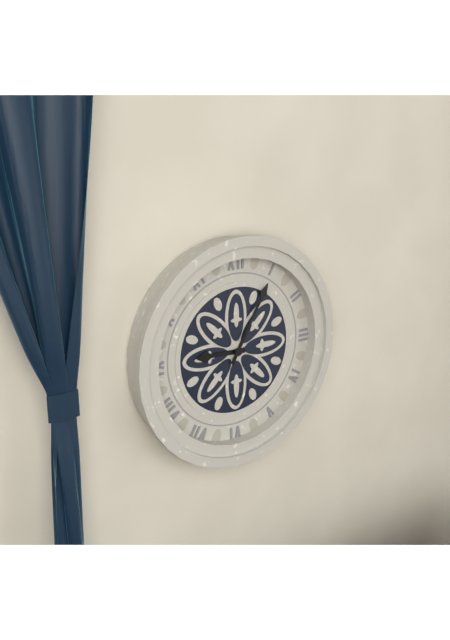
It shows 9h05
